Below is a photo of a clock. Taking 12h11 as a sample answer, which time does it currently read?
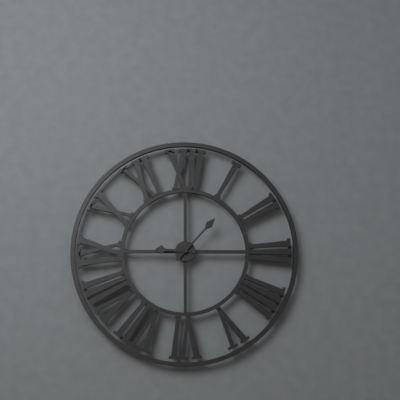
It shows 9h07
